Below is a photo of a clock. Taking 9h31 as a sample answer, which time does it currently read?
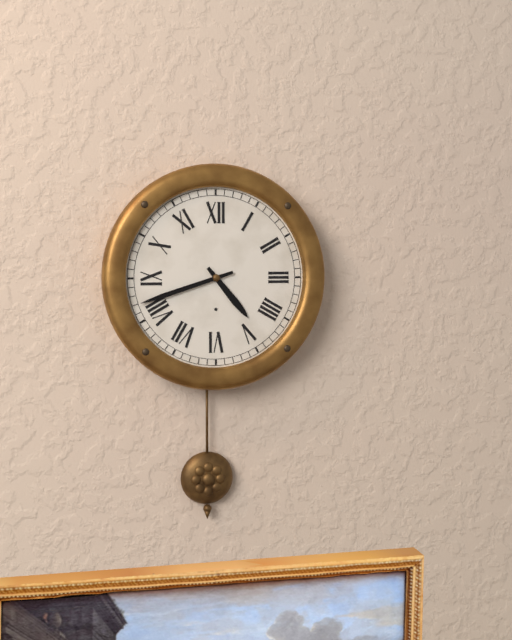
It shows 4h42
